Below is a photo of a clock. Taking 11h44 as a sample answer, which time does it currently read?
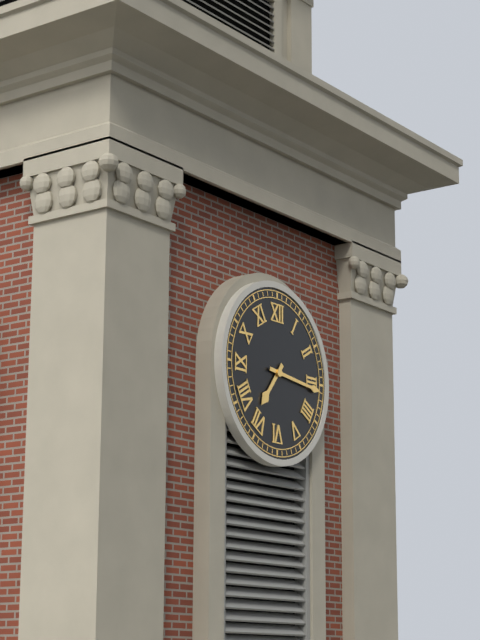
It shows 7h16
